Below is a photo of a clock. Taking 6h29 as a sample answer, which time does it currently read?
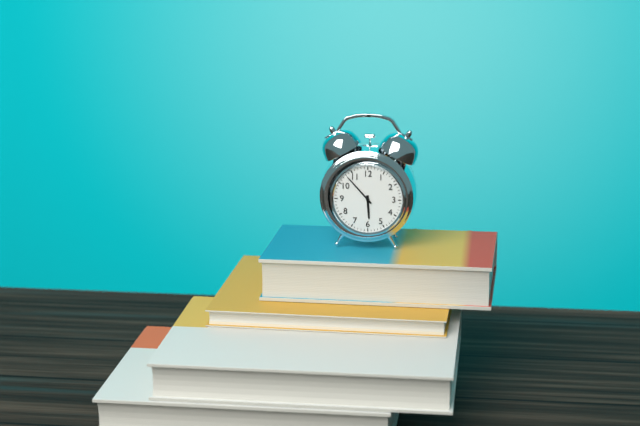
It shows 5h53
